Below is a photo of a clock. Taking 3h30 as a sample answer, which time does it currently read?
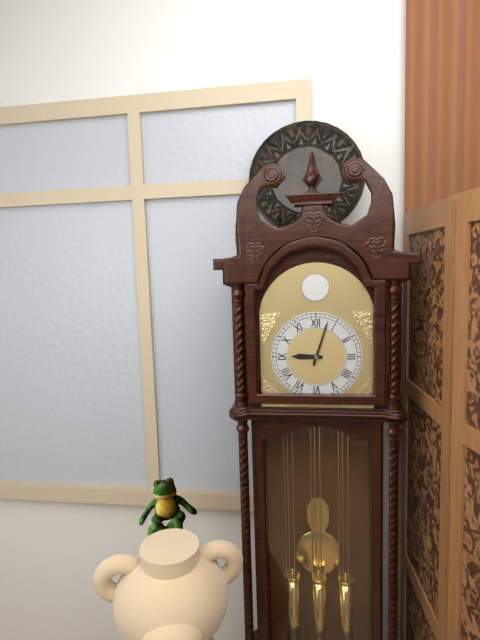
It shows 9h03
